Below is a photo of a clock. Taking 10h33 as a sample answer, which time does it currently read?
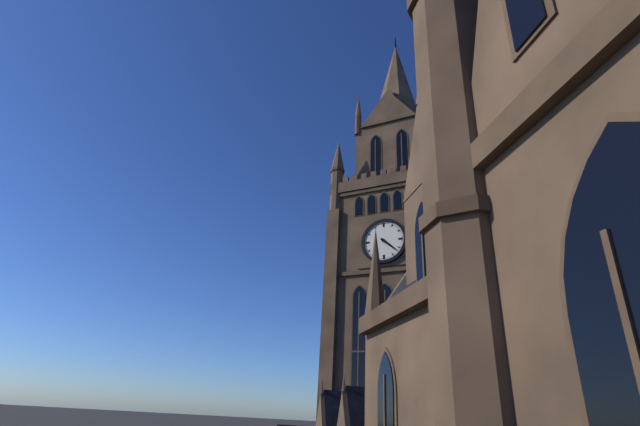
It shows 4h22
